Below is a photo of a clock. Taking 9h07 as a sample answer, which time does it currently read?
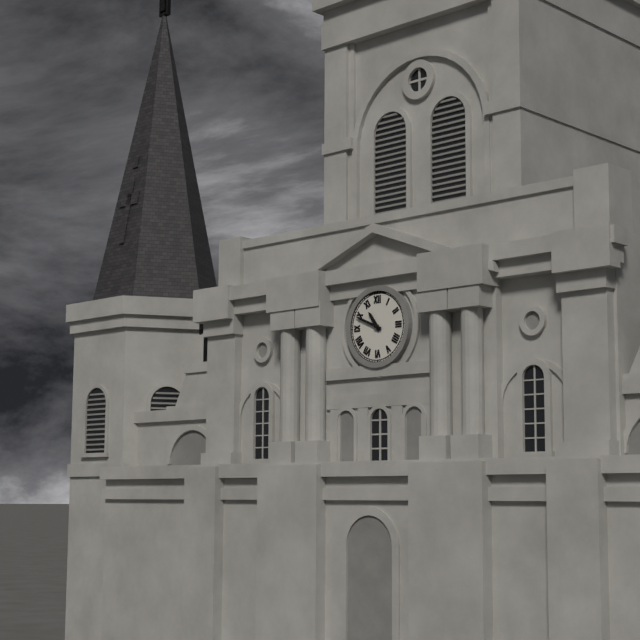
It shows 10h49
